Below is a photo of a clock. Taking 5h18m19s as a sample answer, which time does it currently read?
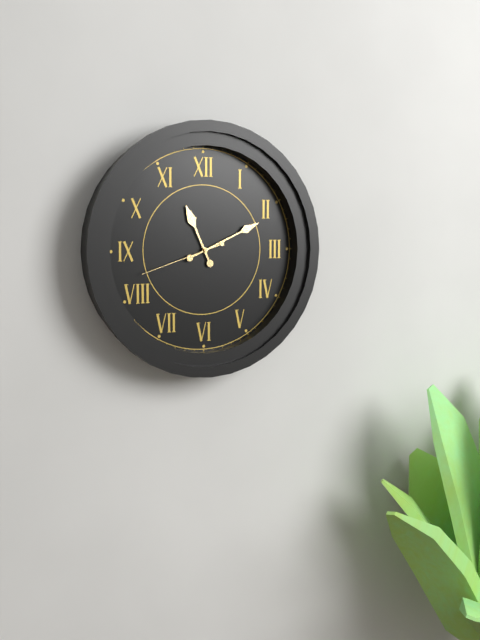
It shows 11h11m42s
